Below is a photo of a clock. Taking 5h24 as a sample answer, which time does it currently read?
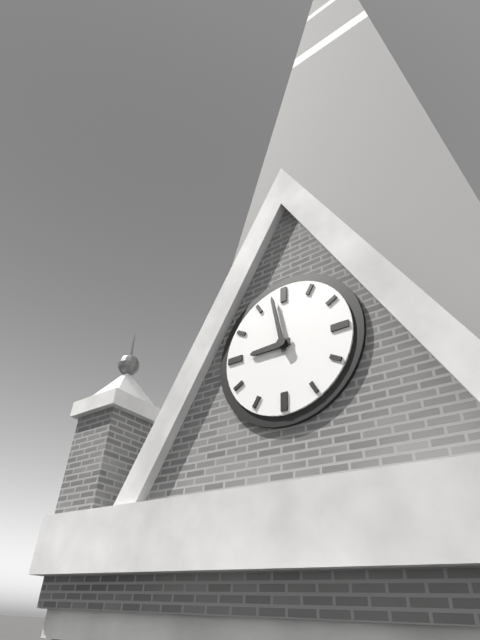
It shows 8h58
